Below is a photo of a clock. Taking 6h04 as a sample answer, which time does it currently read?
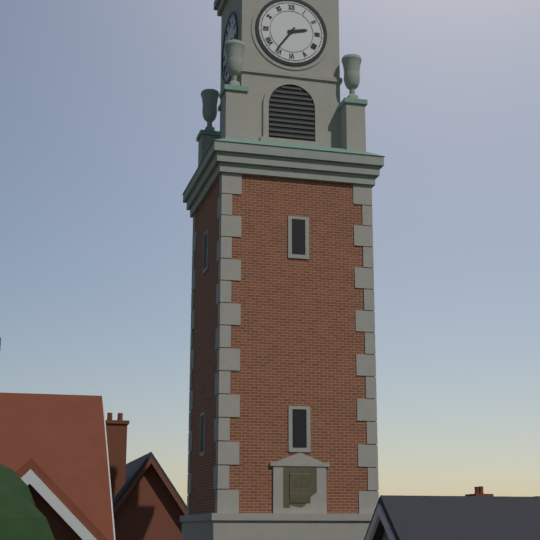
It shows 2h36
